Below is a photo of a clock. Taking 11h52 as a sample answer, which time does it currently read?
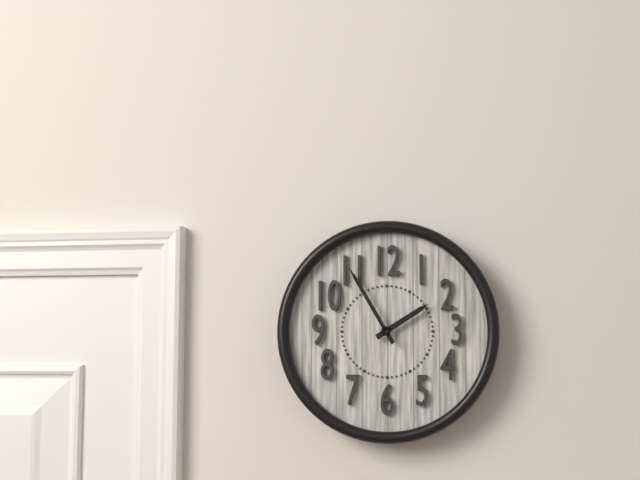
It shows 1h55
